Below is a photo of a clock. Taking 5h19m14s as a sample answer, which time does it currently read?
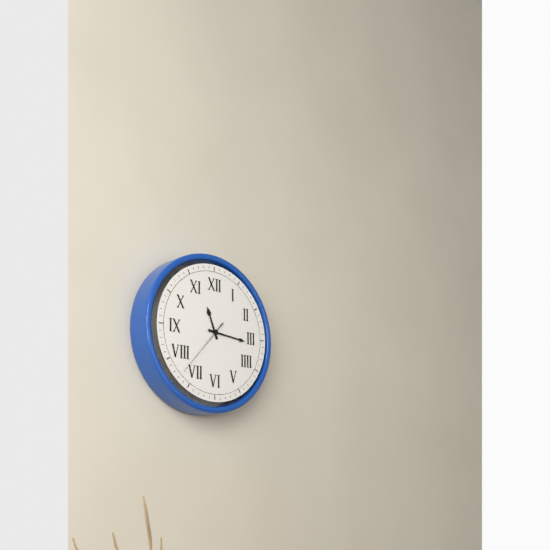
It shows 11h16m37s
